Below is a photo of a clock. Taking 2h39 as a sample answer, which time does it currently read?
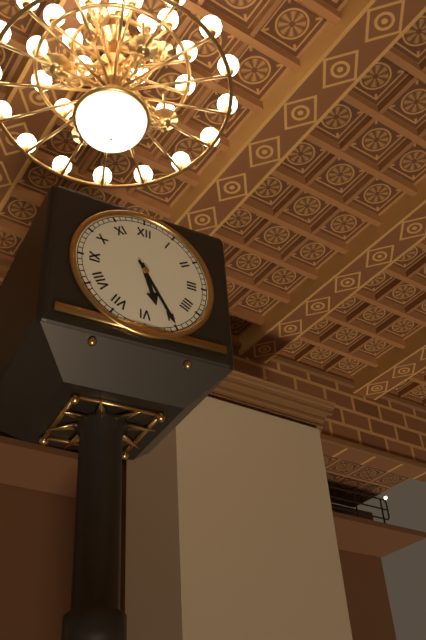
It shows 5h25
